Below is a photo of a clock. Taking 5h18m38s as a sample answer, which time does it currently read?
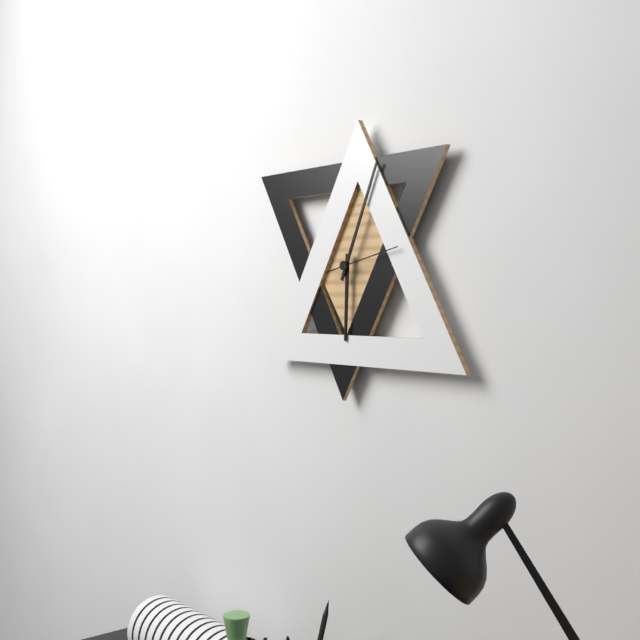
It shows 6h04m13s
